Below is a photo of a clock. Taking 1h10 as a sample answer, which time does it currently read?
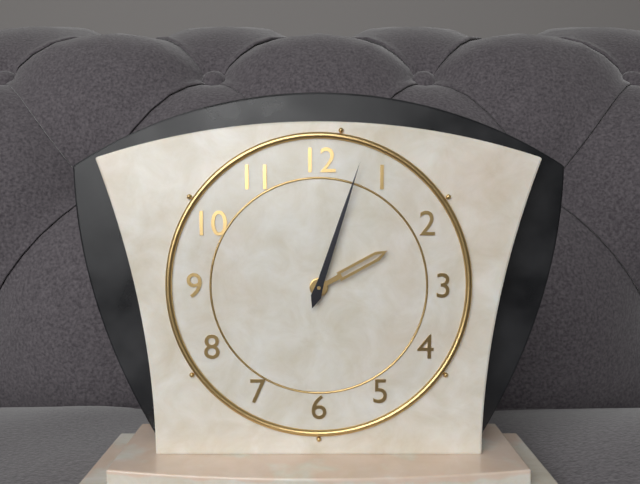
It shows 2h03
